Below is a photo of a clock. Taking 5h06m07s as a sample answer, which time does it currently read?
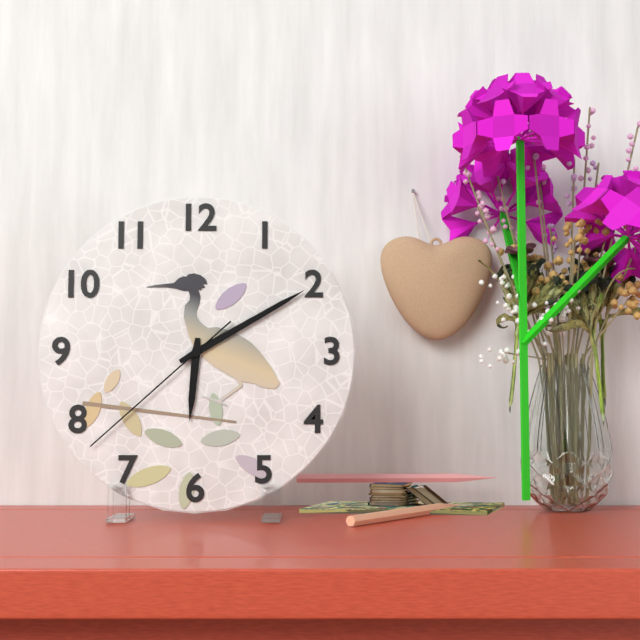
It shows 6h10m38s
